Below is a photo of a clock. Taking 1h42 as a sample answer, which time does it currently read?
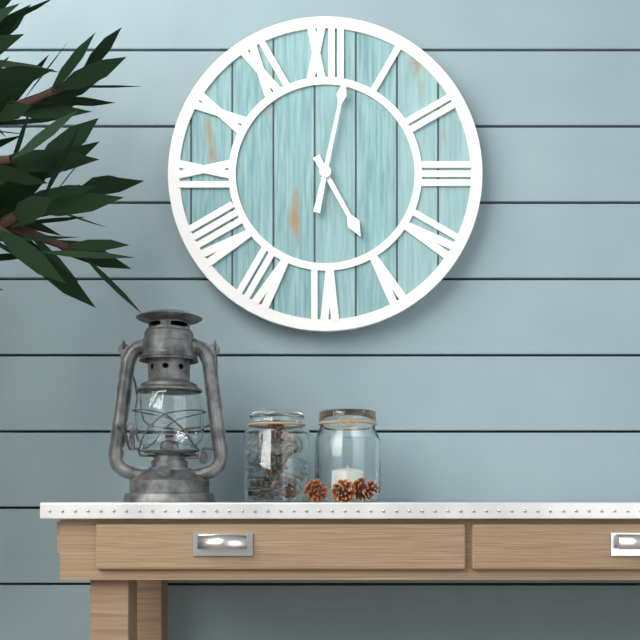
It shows 5h02
